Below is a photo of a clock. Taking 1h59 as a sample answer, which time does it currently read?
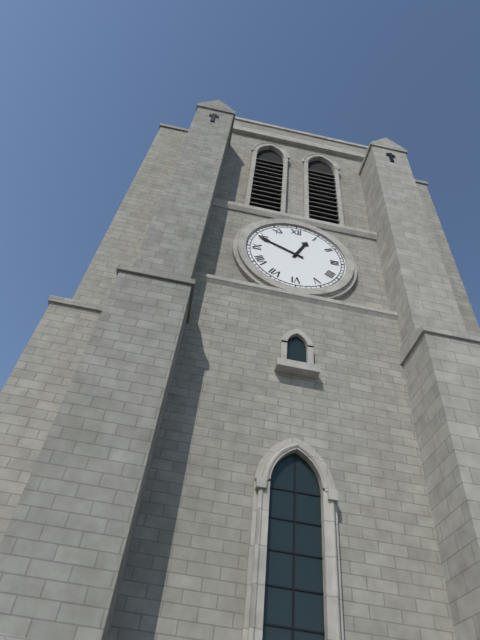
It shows 12h49
